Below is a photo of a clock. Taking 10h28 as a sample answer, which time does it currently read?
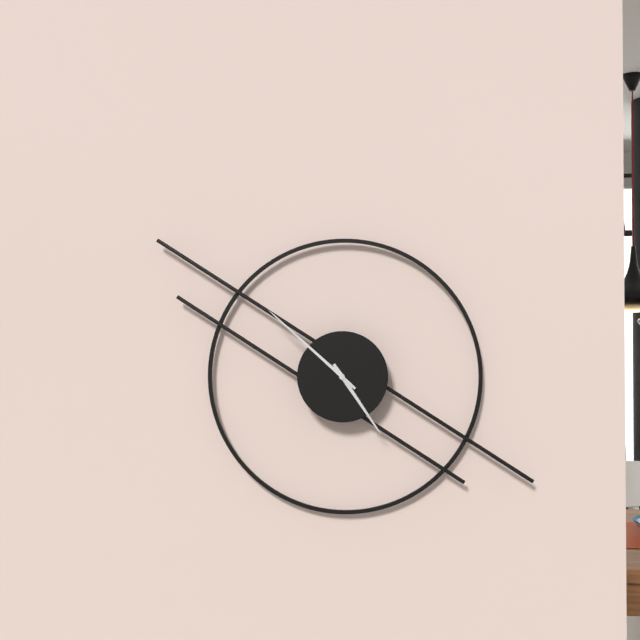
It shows 4h52
